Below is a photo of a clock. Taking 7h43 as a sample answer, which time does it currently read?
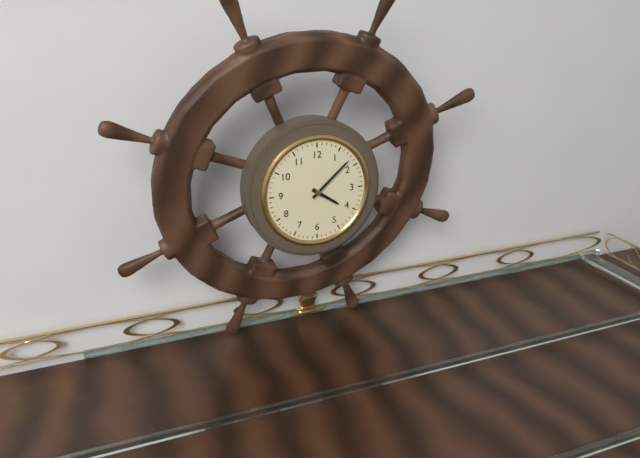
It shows 4h08
